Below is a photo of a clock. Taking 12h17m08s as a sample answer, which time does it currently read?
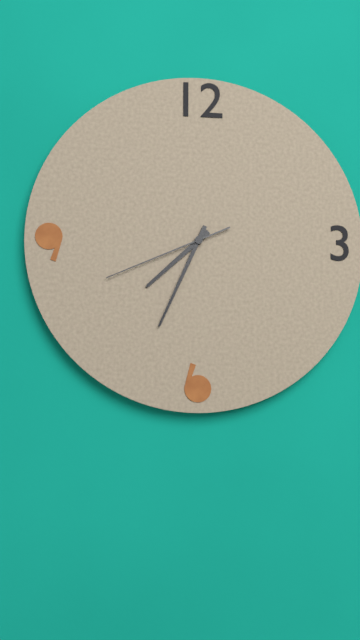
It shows 7h34m41s
